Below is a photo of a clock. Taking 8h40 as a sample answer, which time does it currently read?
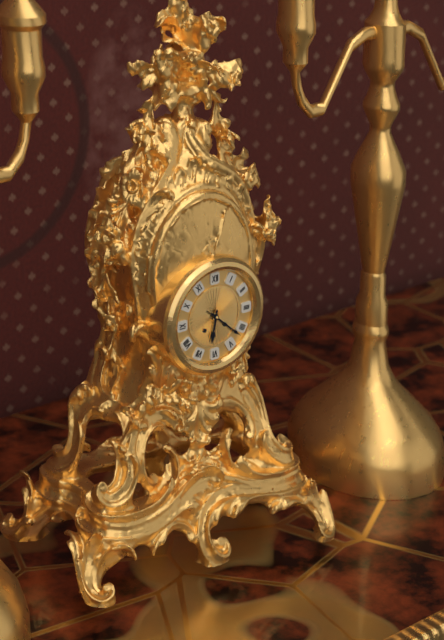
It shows 6h22
